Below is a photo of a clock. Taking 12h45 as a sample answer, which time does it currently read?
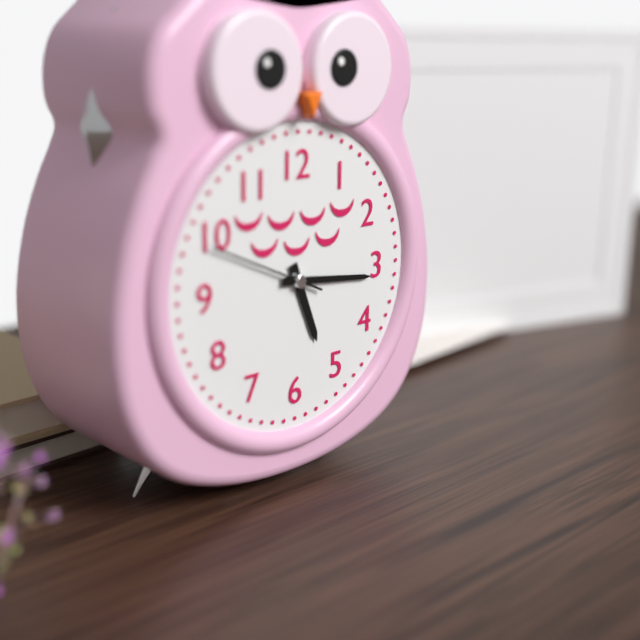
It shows 5h16
